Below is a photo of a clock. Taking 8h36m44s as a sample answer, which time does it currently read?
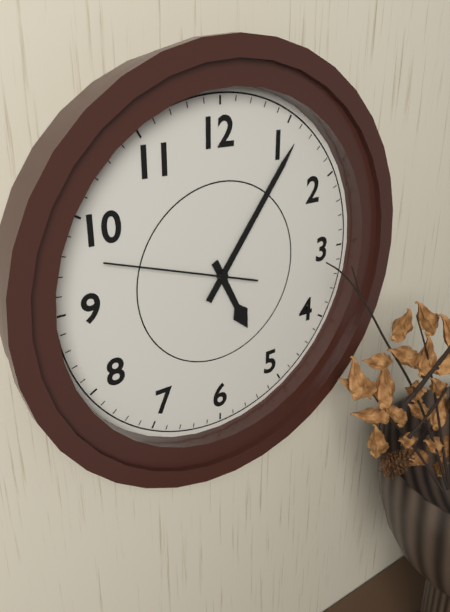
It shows 5h06m48s
